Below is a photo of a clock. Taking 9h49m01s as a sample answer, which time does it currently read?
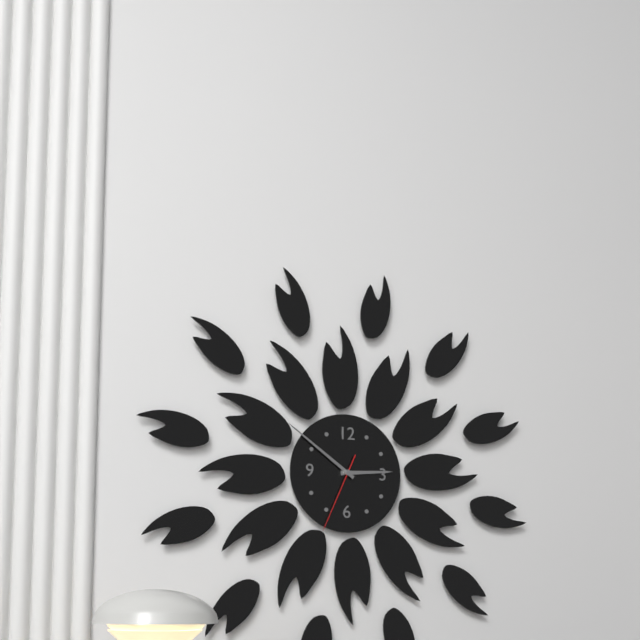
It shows 2h51m34s
